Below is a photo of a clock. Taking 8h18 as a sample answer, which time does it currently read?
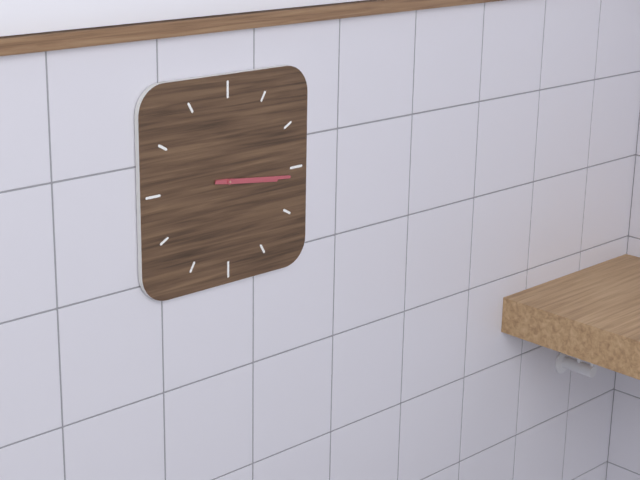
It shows 3h16
